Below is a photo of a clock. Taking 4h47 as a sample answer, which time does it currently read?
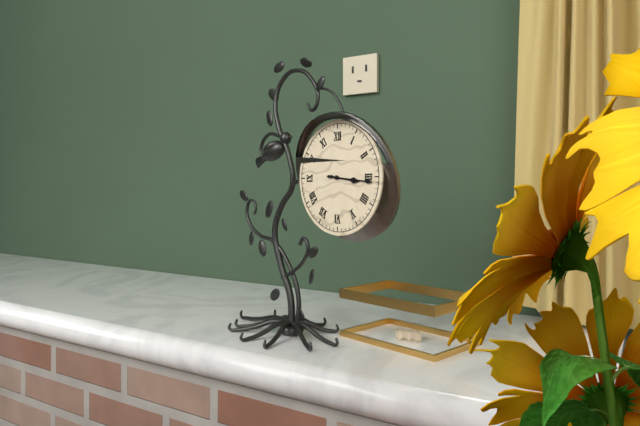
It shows 3h16
